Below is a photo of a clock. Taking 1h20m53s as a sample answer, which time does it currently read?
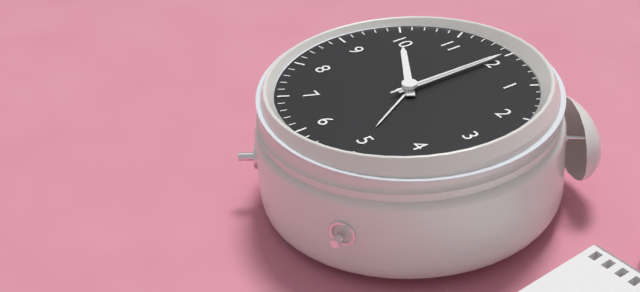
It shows 10h00m00s
